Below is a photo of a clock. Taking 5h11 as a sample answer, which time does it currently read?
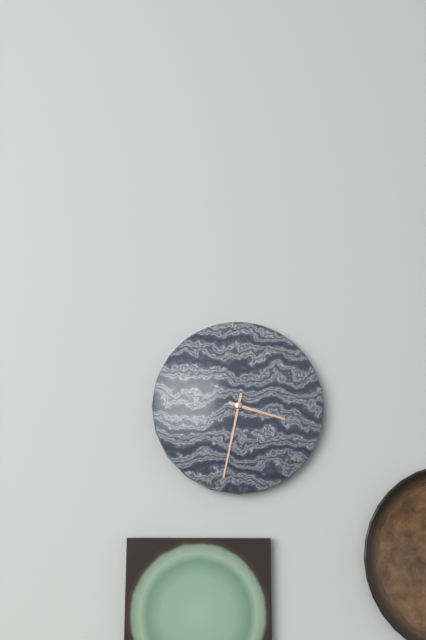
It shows 3h32
